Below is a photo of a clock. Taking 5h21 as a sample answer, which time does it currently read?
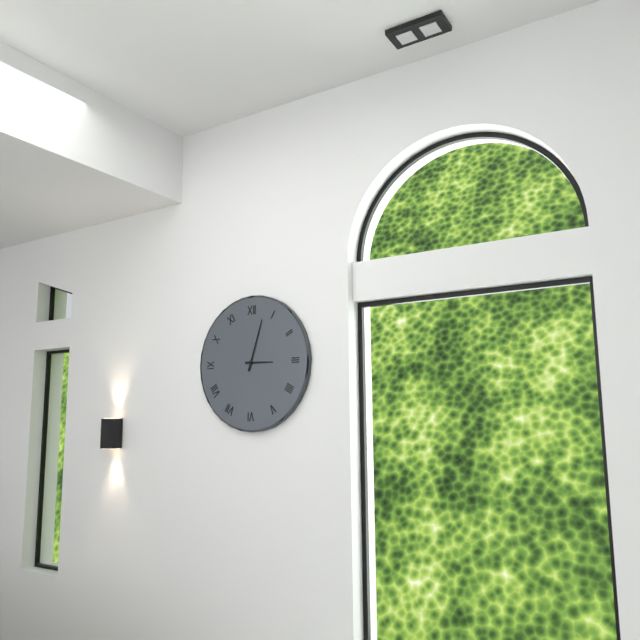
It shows 3h03
